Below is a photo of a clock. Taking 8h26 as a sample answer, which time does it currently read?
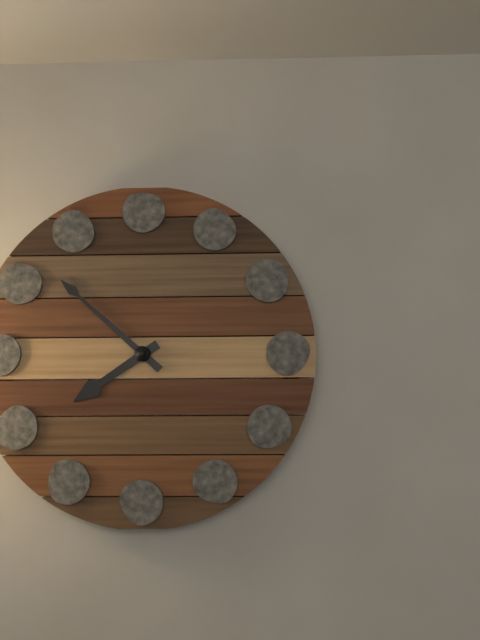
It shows 7h52
